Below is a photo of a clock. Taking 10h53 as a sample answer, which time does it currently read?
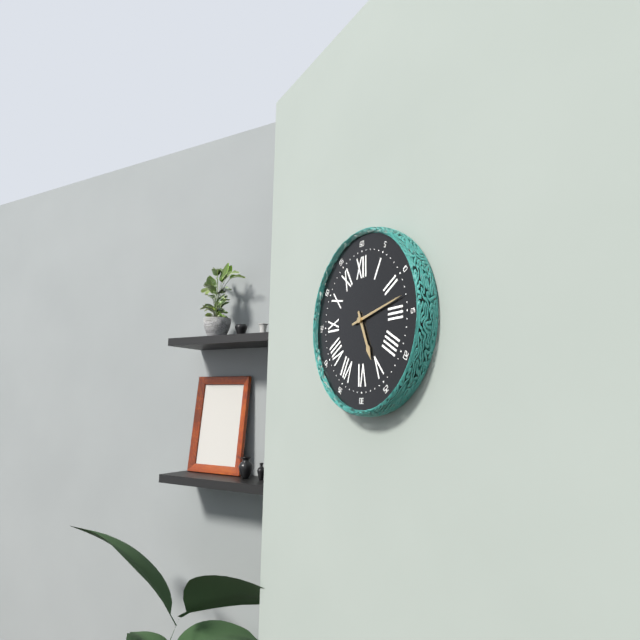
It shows 5h13
